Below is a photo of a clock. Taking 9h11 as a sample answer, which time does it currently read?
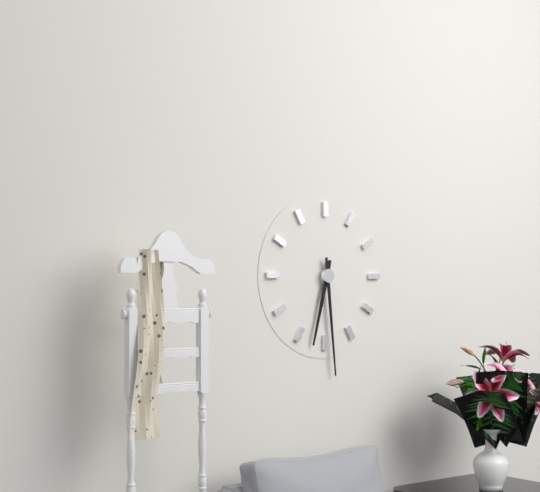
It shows 6h29
